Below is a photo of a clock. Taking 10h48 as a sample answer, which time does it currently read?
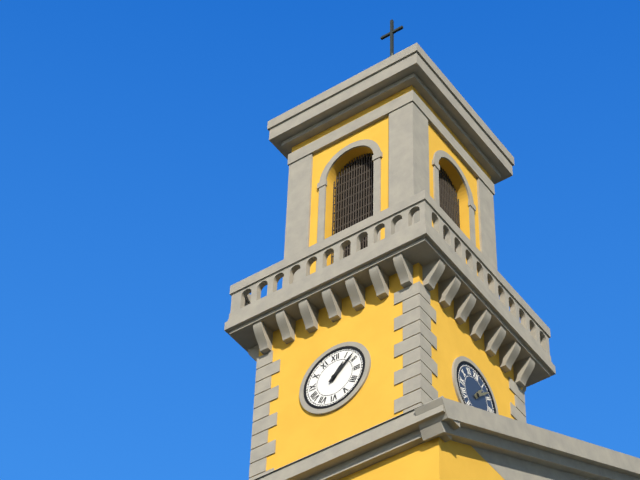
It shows 1h08
